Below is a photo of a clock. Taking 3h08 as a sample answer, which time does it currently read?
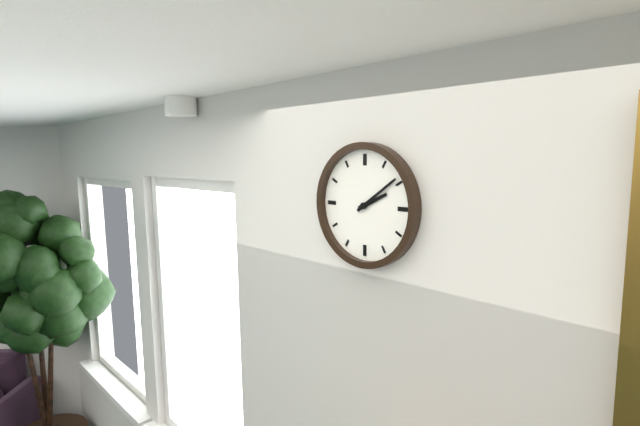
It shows 2h09
